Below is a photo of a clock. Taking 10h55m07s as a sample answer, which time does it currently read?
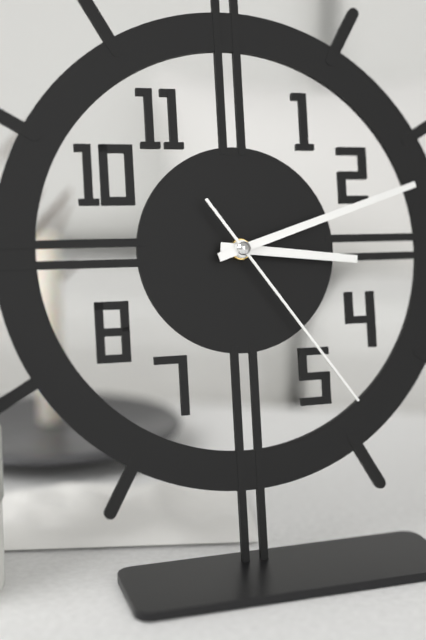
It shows 3h12m24s
